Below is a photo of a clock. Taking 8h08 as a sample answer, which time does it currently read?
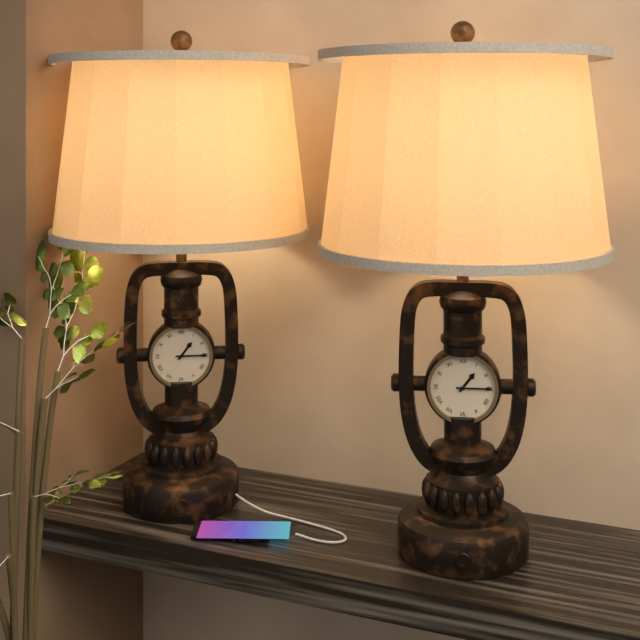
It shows 1h15
